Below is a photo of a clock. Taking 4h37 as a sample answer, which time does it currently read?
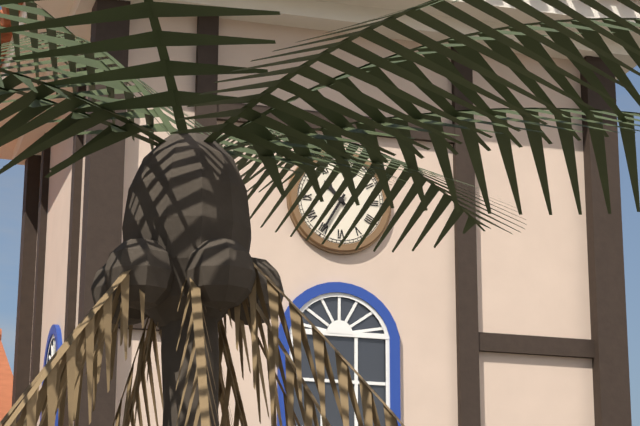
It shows 10h35
